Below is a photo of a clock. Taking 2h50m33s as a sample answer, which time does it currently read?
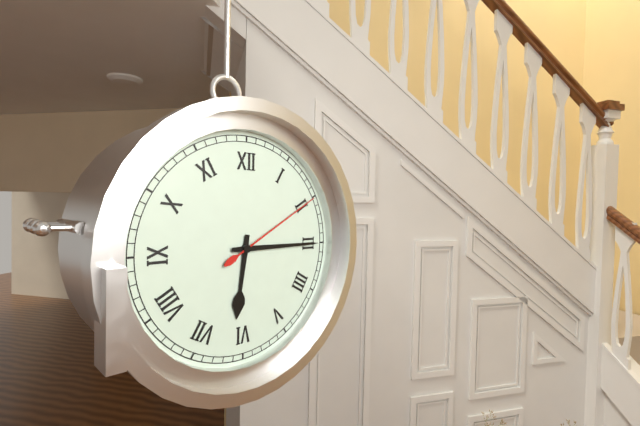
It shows 6h15m10s
